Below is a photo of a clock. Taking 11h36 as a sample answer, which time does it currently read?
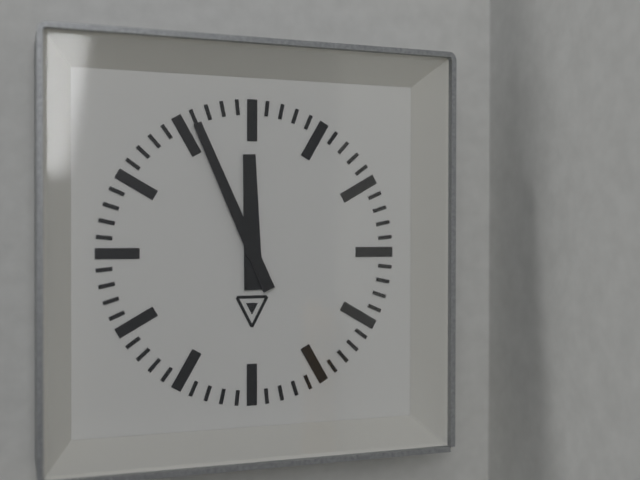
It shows 11h56
